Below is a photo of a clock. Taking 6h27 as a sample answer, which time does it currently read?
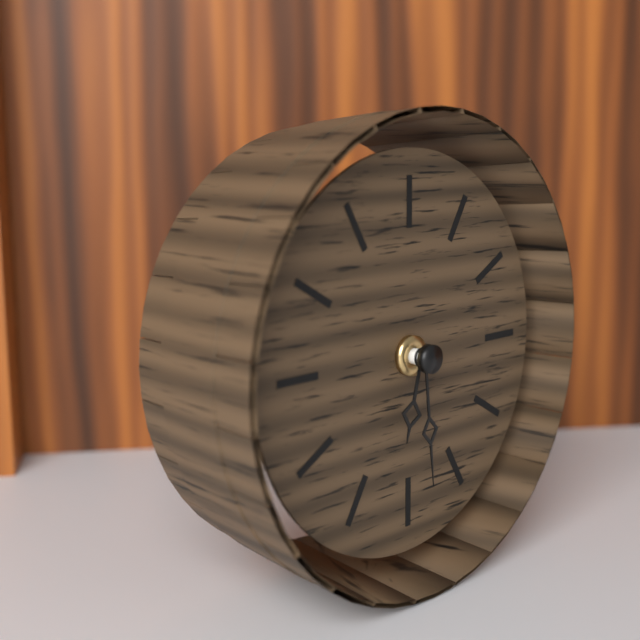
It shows 6h29
